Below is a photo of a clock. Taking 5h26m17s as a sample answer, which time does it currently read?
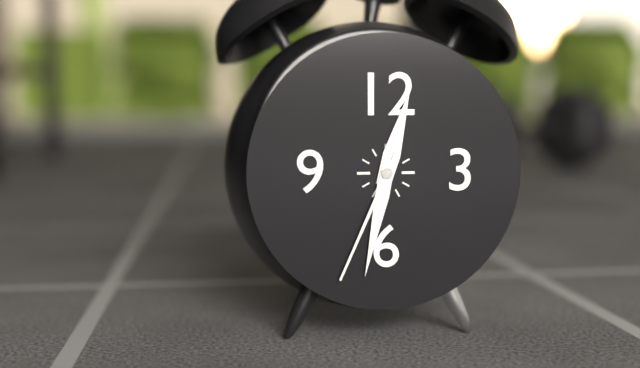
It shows 12h32m34s
